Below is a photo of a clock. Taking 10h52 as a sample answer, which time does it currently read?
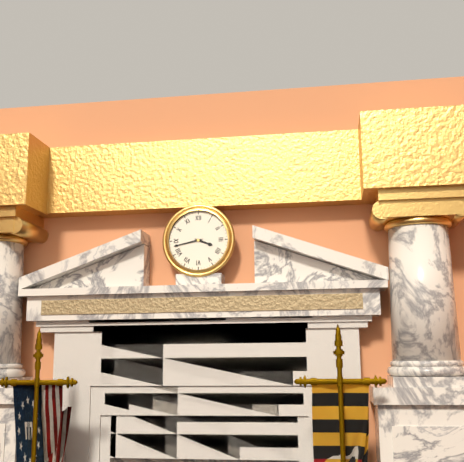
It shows 3h43
